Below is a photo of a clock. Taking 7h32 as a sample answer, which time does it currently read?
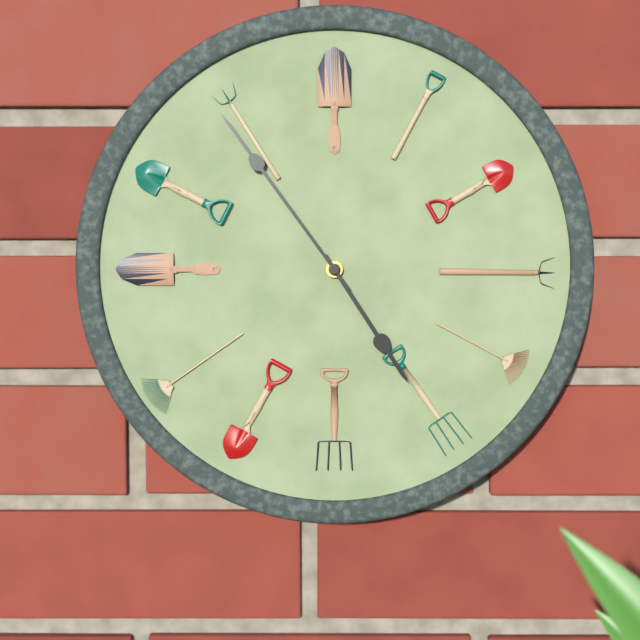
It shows 4h54
